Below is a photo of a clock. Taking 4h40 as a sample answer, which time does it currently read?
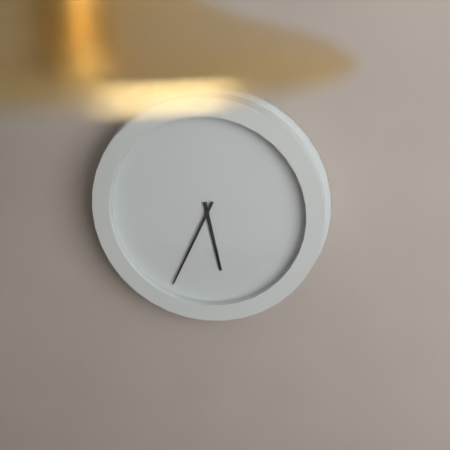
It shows 5h34
